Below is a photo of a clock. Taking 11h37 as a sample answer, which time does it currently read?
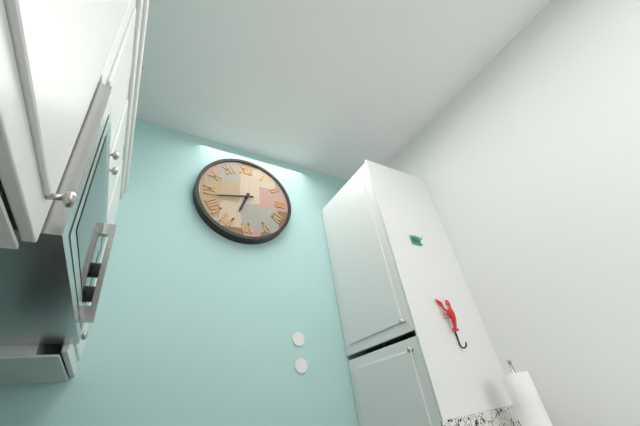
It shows 6h43
